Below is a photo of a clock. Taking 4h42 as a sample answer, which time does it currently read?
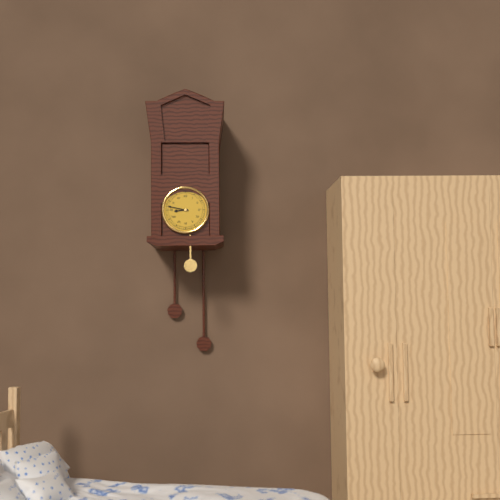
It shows 8h47
